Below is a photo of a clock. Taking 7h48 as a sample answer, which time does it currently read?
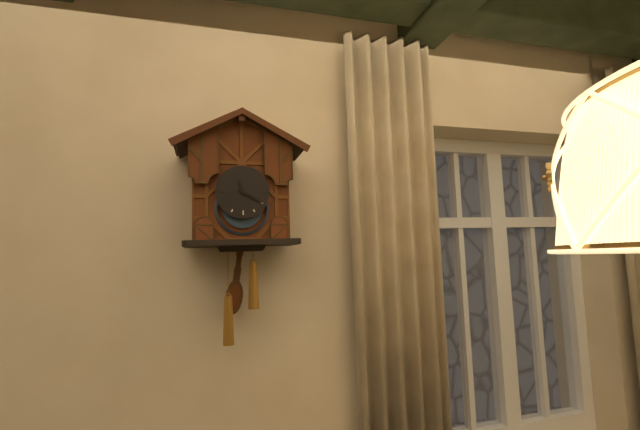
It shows 11h20
